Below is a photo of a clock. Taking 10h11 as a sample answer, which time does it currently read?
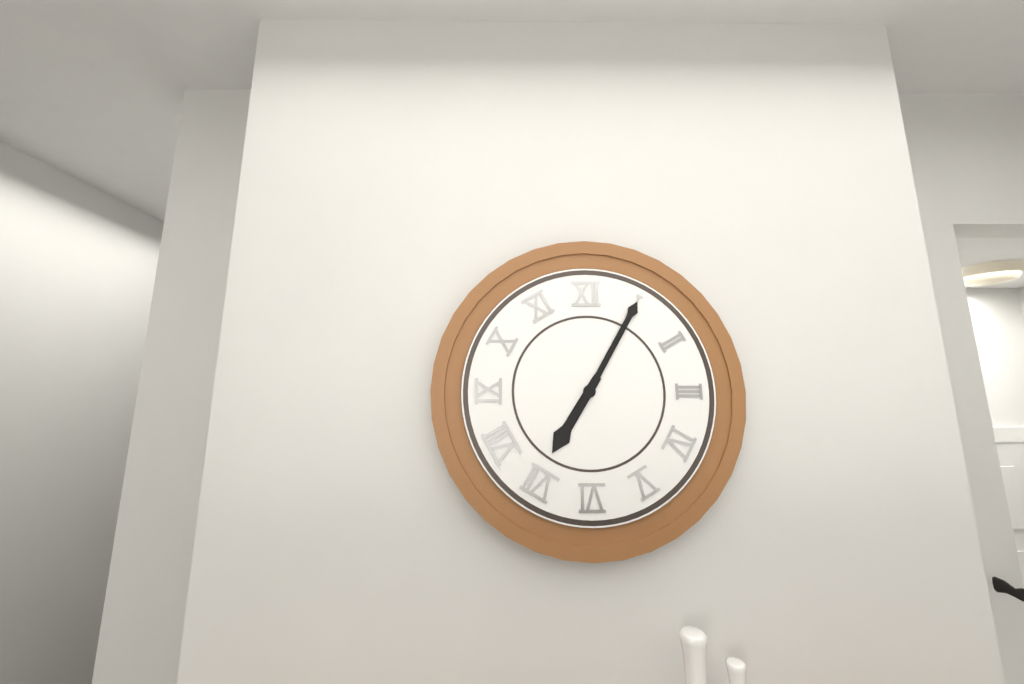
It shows 7h05
